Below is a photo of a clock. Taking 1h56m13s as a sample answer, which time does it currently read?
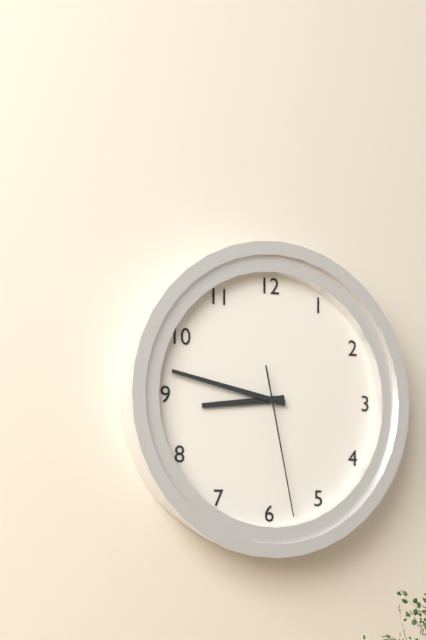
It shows 8h47m28s
